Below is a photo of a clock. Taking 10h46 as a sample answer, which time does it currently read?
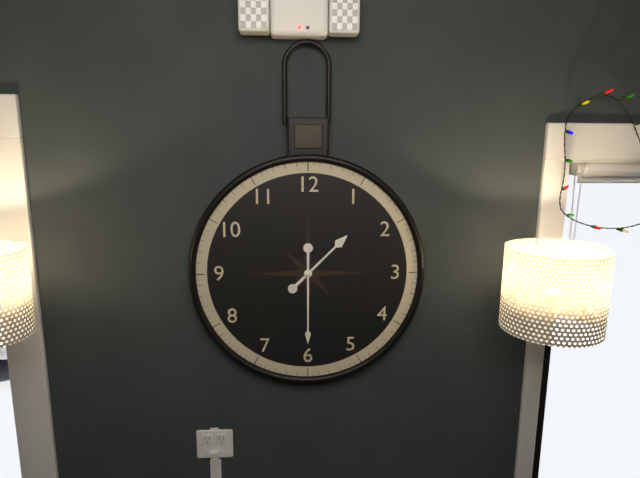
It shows 1h30
